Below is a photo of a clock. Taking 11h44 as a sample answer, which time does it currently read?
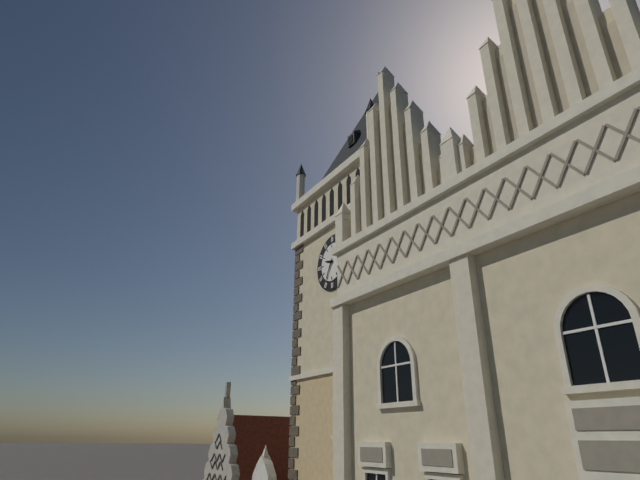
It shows 9h35
